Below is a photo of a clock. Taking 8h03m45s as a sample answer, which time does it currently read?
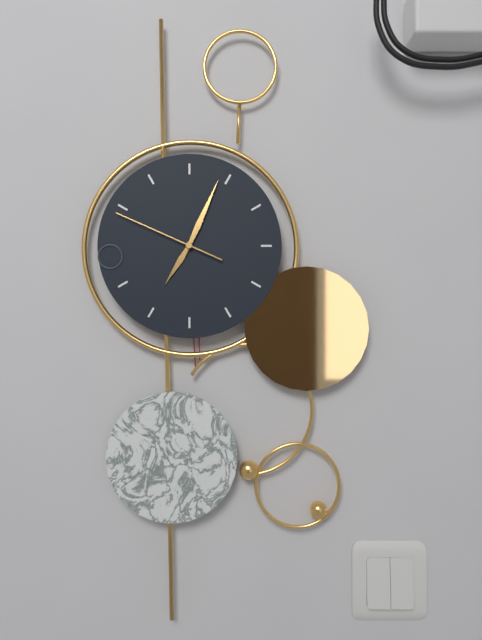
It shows 7h04m49s
